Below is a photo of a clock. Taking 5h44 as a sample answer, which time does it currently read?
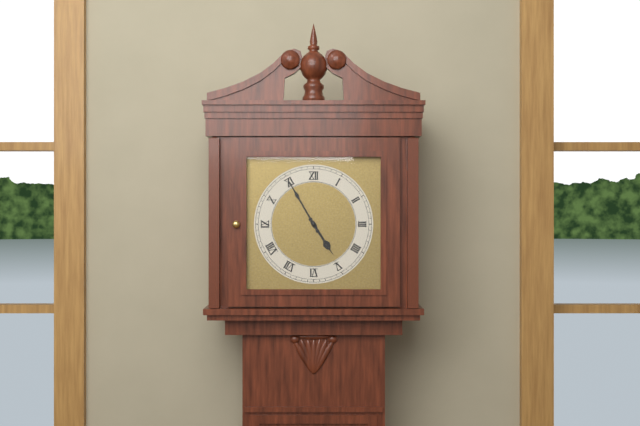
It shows 4h55
